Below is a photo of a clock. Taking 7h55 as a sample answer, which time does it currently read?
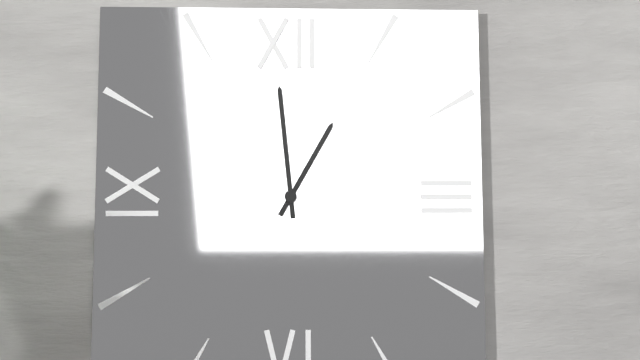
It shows 12h59
